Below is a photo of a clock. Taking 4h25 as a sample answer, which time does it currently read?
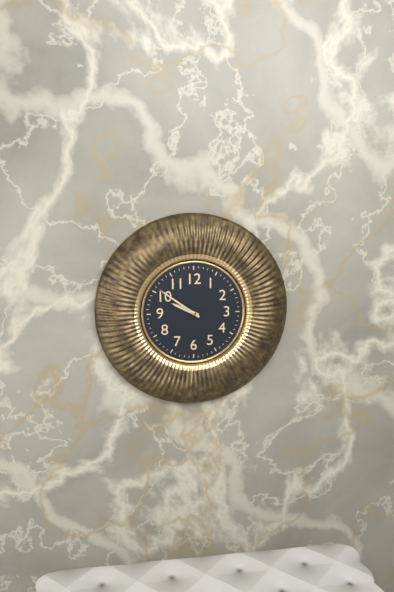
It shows 9h51
